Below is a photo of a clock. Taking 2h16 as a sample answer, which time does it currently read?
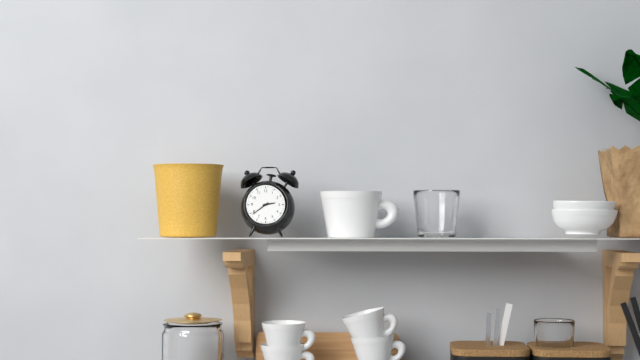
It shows 2h39
